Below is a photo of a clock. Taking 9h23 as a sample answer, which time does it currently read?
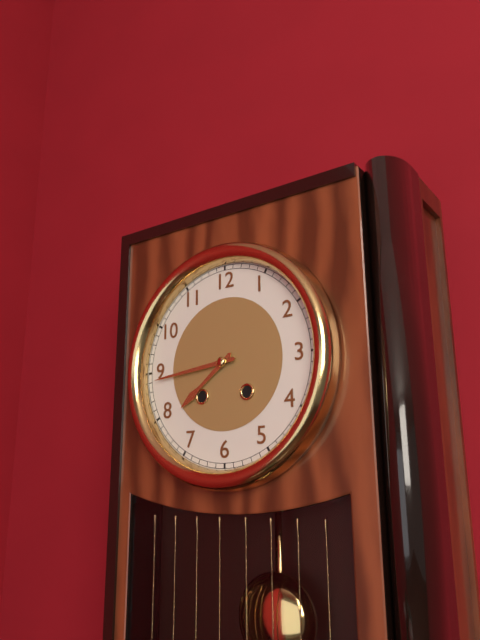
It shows 7h44
